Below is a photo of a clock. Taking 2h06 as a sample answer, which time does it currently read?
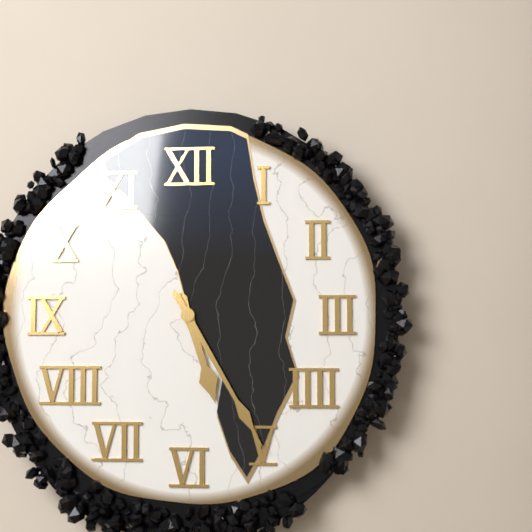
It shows 5h25
